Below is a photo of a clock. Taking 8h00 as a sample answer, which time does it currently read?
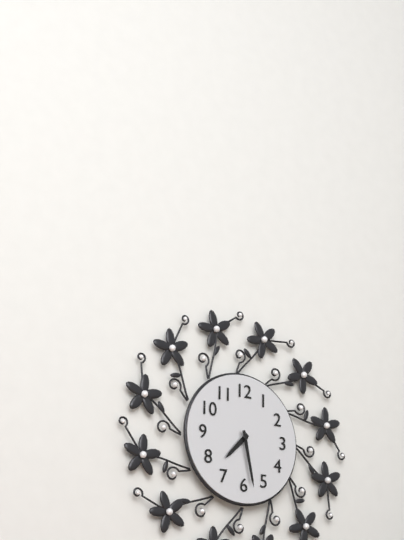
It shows 7h28
